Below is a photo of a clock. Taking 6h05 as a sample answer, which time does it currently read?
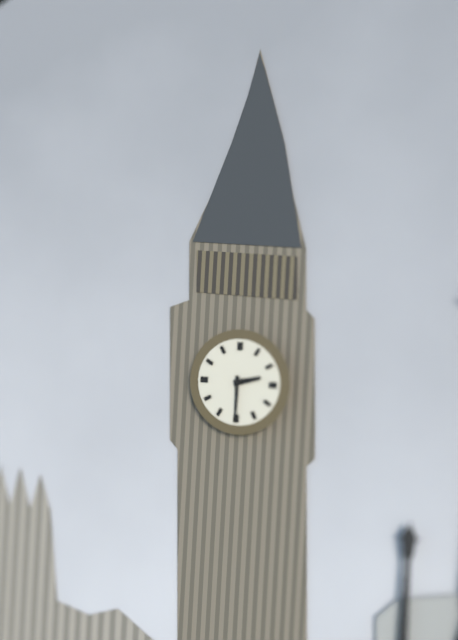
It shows 2h30
